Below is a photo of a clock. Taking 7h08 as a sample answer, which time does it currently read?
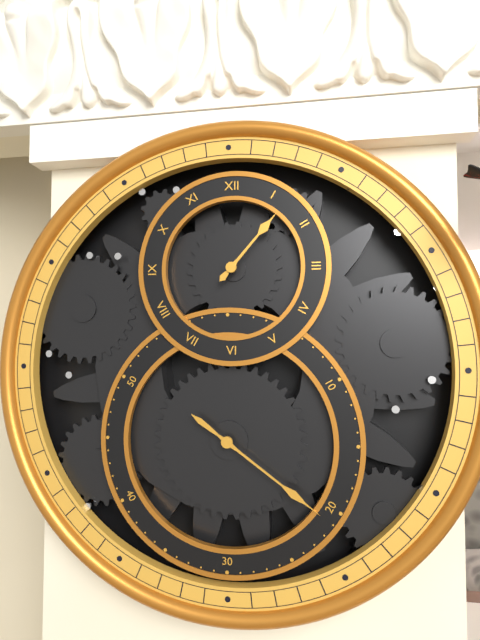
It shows 1h21
